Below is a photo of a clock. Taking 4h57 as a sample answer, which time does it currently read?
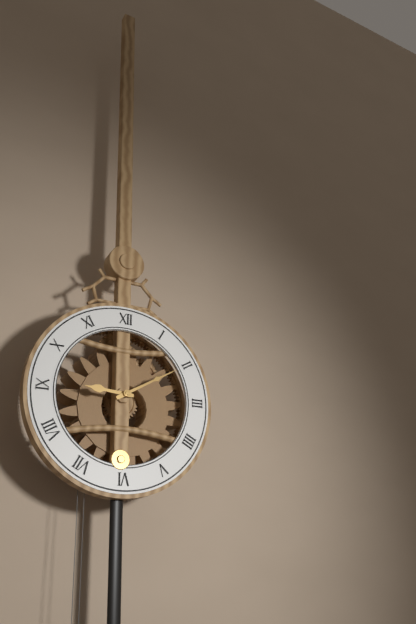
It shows 9h10
